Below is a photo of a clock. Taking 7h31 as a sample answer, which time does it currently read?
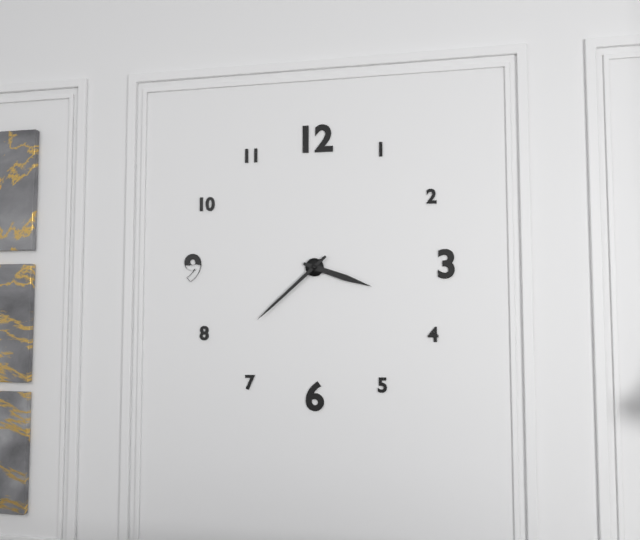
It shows 3h38
